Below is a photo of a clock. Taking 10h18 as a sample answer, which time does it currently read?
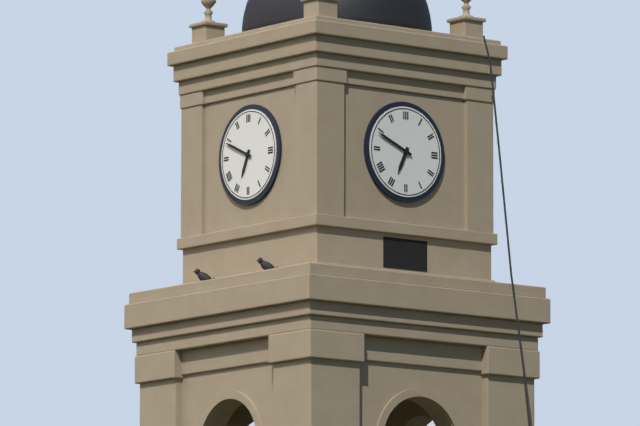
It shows 6h49
